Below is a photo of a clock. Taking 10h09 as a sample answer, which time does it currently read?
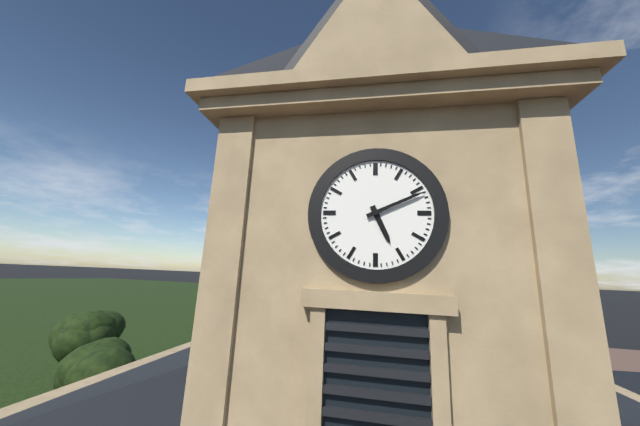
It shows 5h11
